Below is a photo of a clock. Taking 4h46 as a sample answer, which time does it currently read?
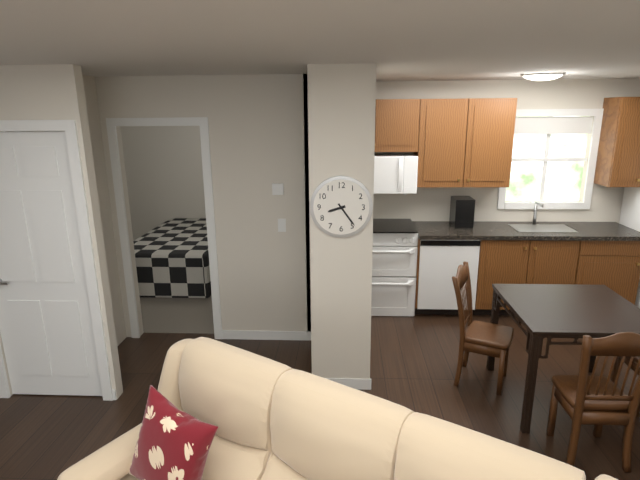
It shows 8h24
